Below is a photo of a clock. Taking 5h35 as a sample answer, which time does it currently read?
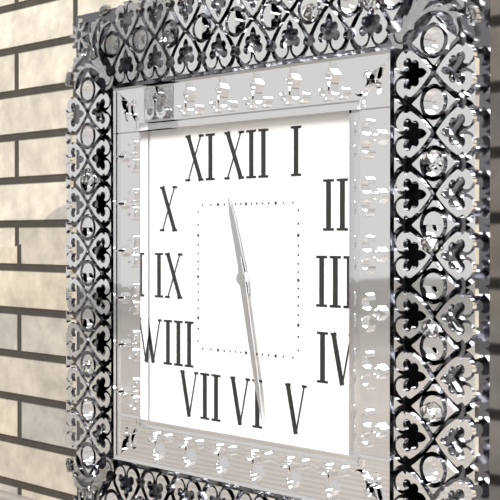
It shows 11h28
